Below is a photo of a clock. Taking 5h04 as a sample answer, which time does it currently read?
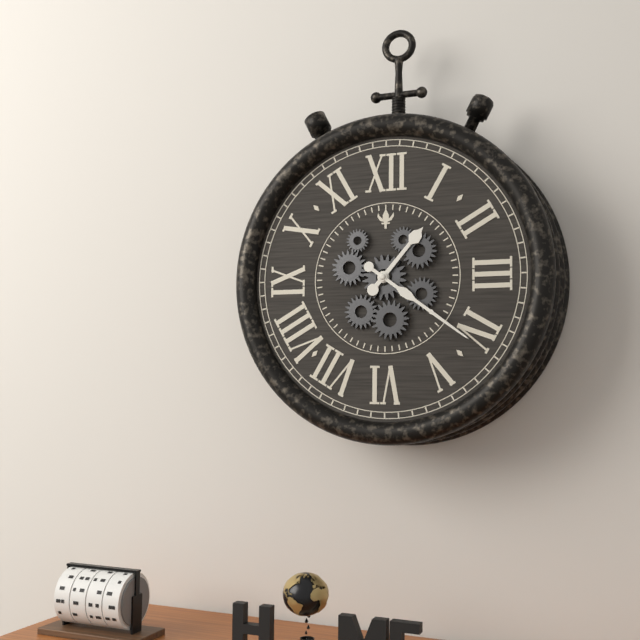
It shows 1h21
